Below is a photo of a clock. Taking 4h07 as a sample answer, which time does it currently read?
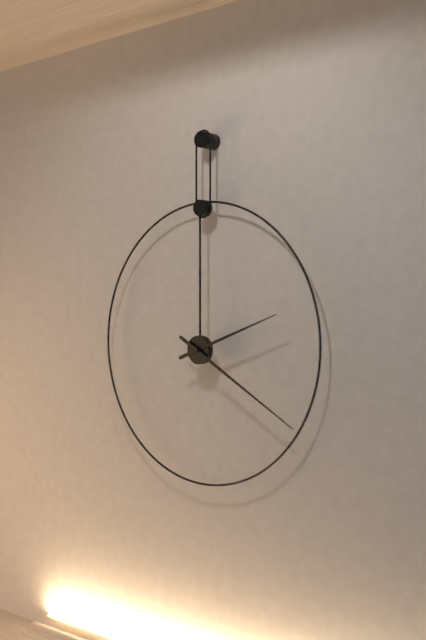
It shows 2h20
